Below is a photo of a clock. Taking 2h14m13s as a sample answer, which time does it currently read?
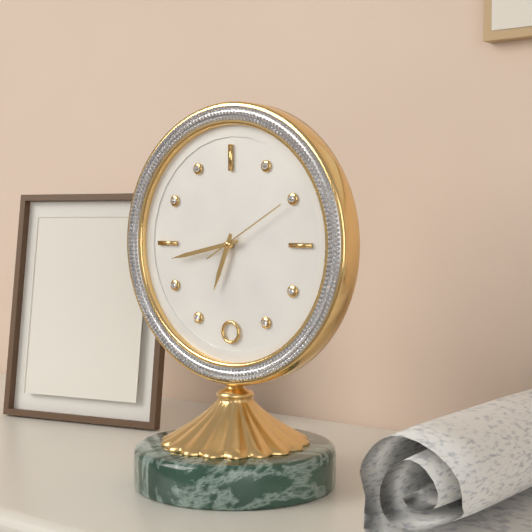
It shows 6h43m10s
